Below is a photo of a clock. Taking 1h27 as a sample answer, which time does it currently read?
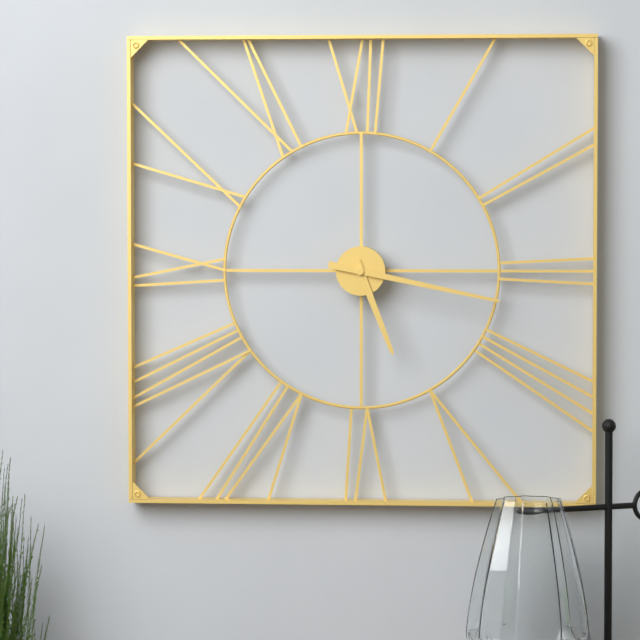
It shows 5h17
